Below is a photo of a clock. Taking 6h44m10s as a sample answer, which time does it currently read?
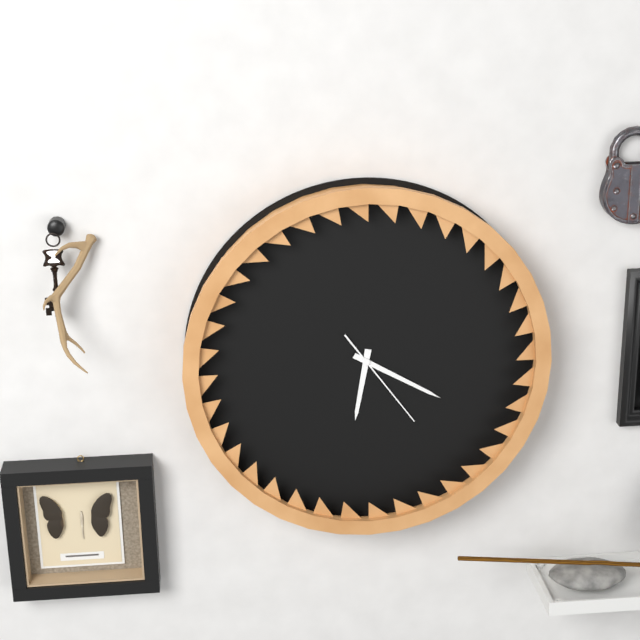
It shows 6h20m24s
